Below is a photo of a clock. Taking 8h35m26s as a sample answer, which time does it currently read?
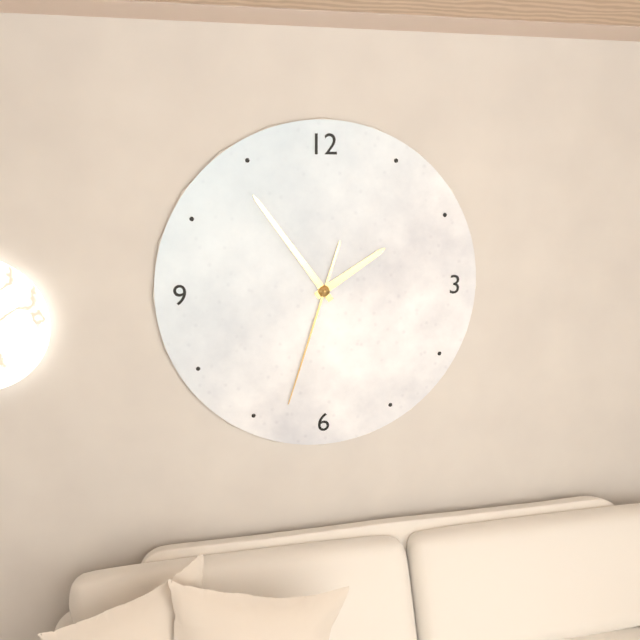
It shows 1h54m33s
